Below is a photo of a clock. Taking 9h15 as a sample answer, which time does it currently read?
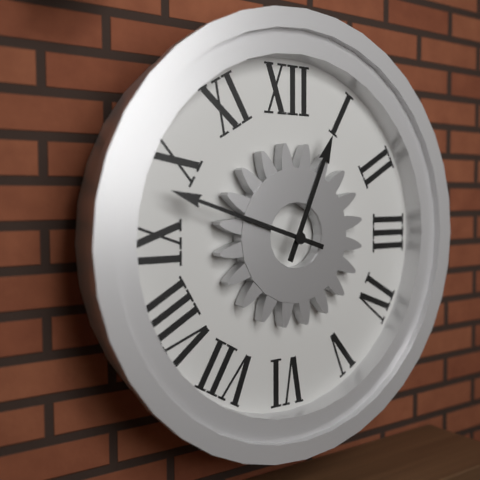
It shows 12h48
